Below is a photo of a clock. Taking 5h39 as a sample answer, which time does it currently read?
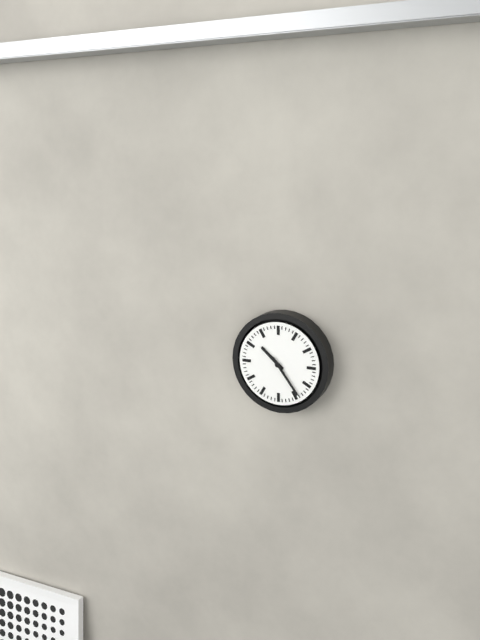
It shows 10h24
